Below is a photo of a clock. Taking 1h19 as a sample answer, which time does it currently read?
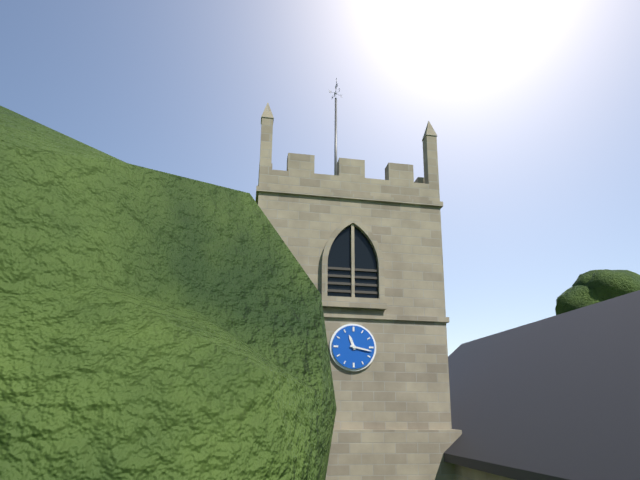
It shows 11h17
